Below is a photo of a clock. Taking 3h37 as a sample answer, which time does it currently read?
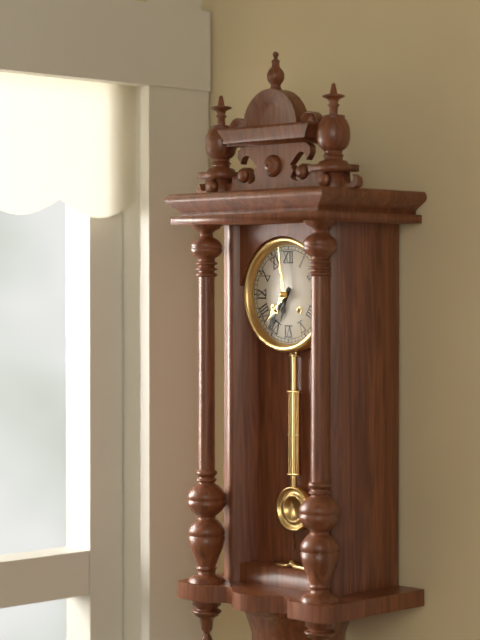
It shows 6h36
